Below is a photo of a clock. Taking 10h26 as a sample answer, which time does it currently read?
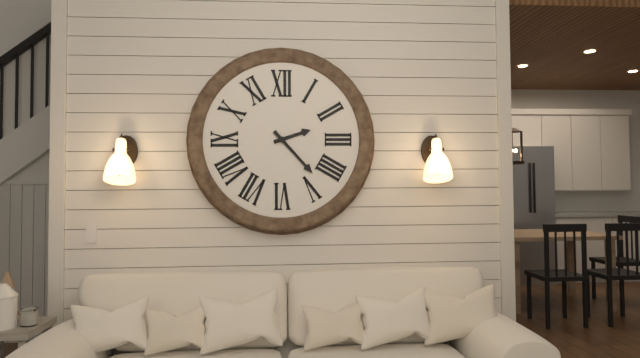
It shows 2h23
